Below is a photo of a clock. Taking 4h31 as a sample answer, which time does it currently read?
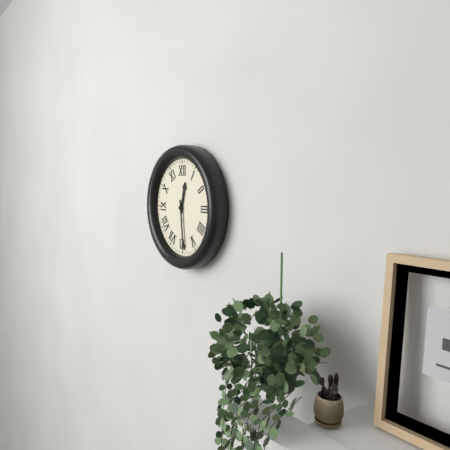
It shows 12h29
